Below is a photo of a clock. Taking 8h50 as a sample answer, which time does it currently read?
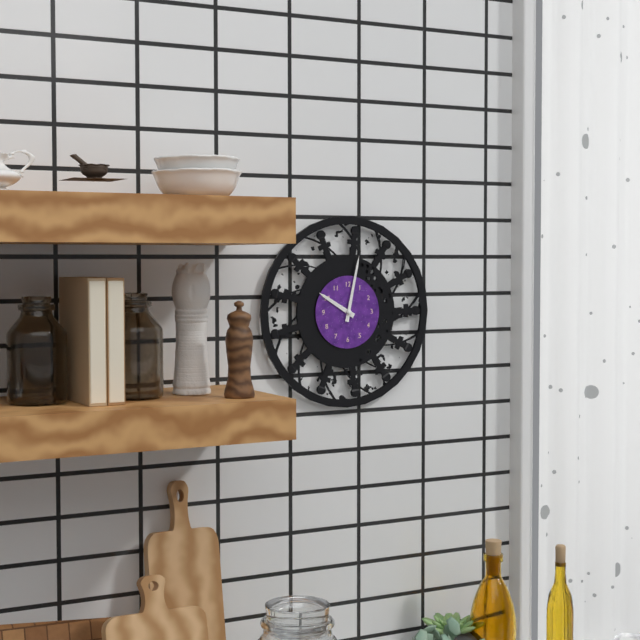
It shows 10h02
